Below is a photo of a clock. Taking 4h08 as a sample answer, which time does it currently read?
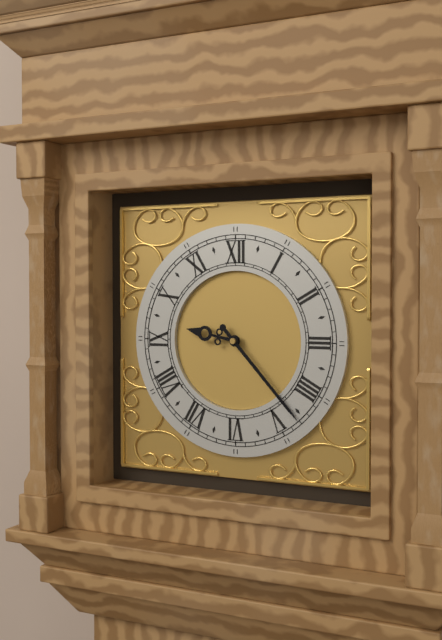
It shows 9h23
